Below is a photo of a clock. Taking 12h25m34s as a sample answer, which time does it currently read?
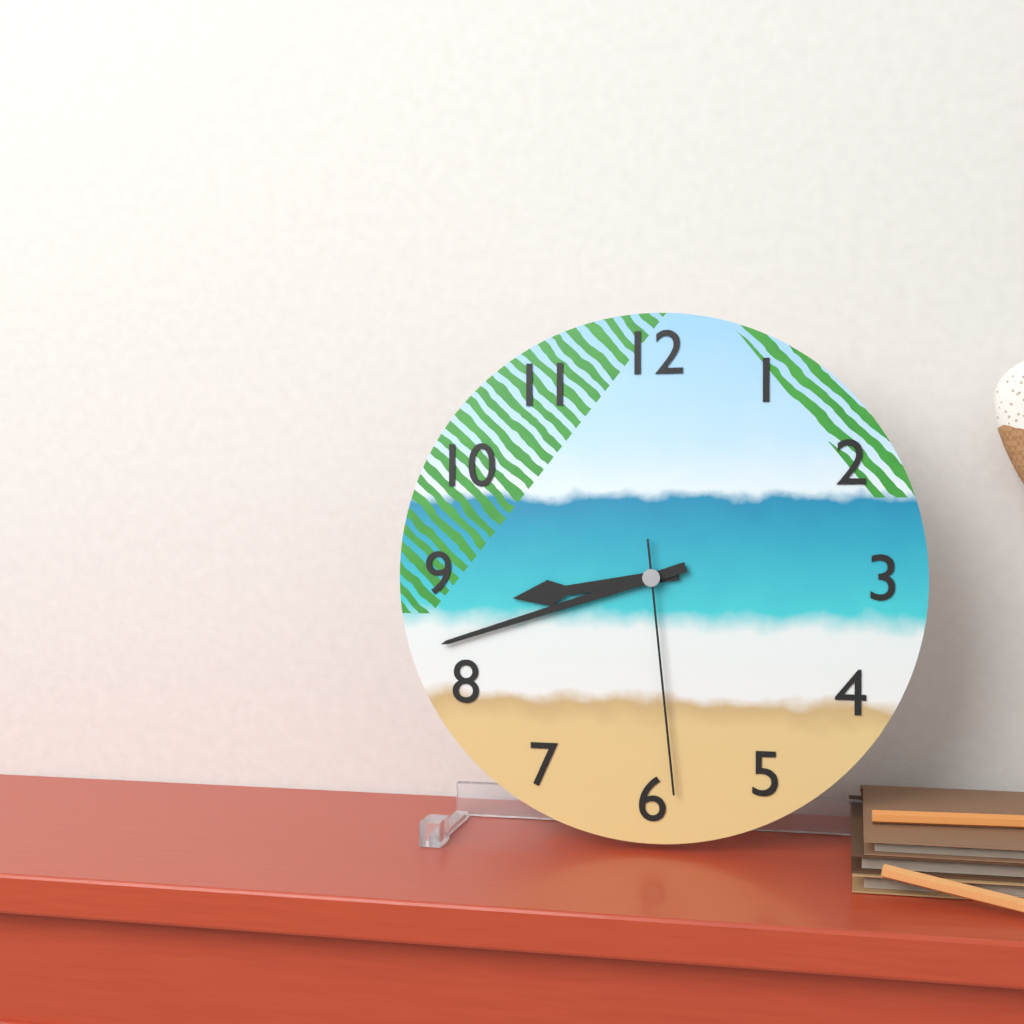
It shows 8h42m29s
